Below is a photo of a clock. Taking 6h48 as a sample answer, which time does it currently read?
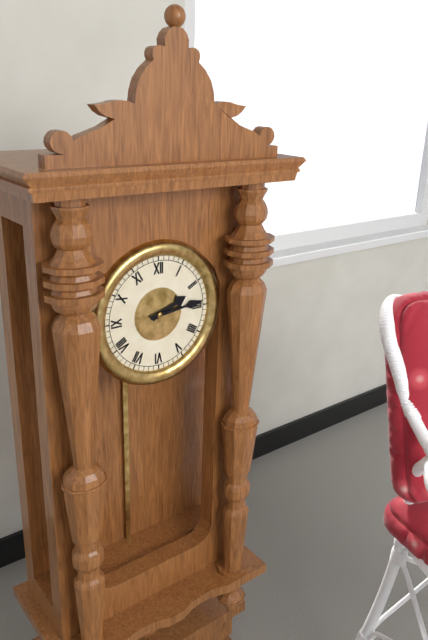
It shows 2h14
